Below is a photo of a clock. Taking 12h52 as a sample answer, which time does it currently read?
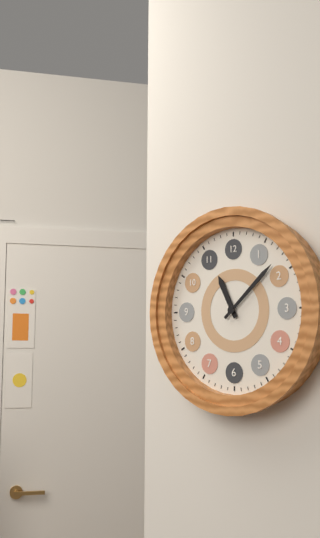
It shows 11h08
